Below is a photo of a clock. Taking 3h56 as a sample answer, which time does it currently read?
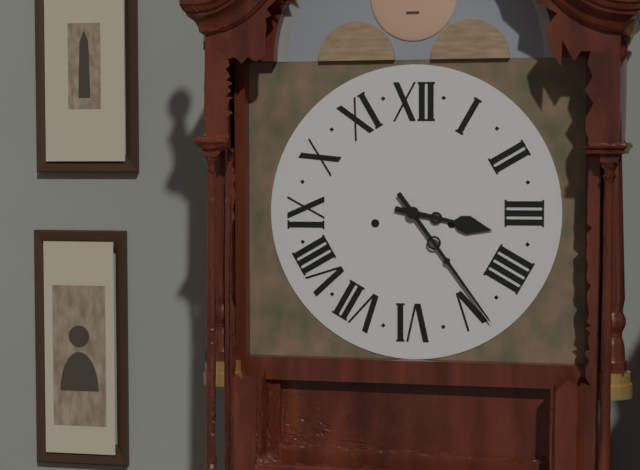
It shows 3h24
